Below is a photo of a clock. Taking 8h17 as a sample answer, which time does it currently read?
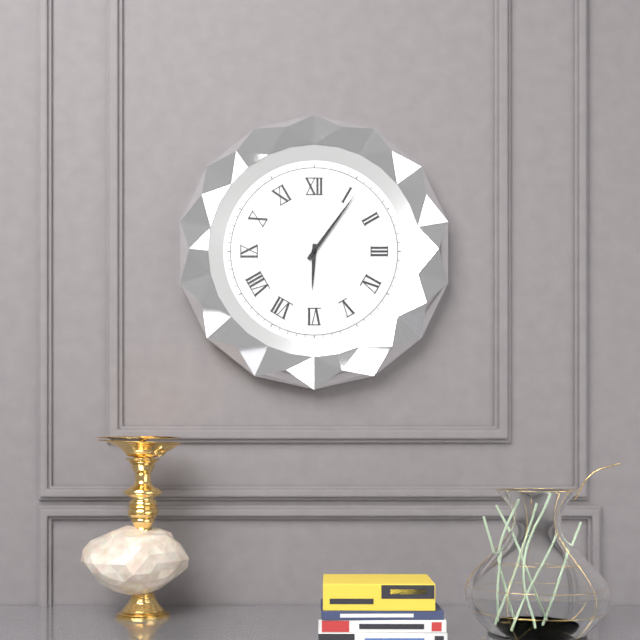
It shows 6h06
